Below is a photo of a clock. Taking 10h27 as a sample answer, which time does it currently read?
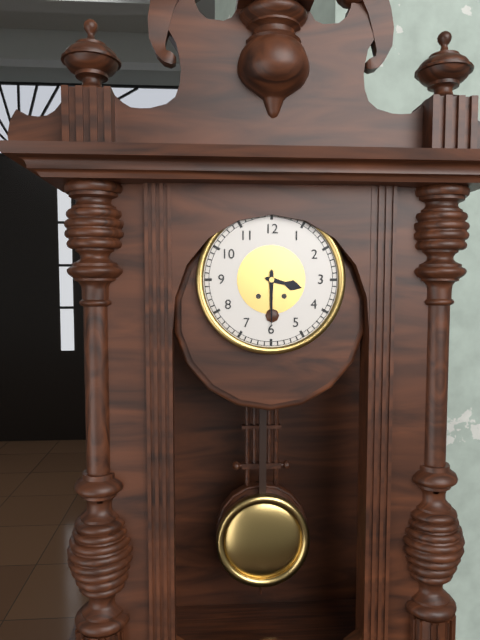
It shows 3h30
